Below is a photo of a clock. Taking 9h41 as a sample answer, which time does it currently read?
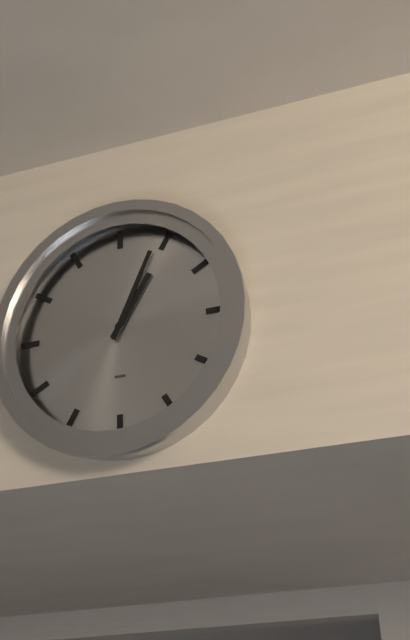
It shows 1h04
